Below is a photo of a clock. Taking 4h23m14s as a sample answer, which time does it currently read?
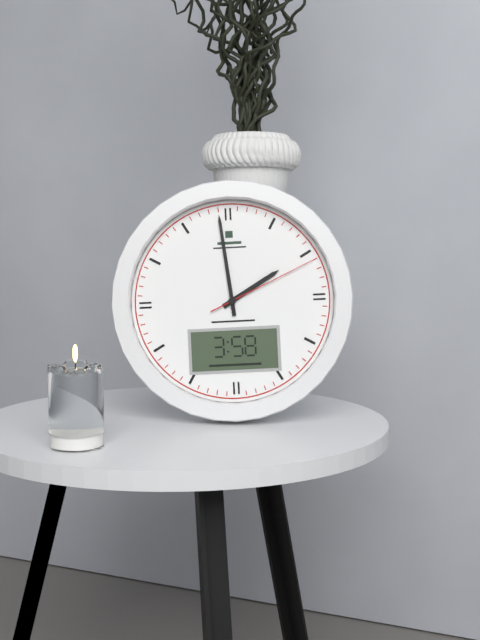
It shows 1h59m11s
